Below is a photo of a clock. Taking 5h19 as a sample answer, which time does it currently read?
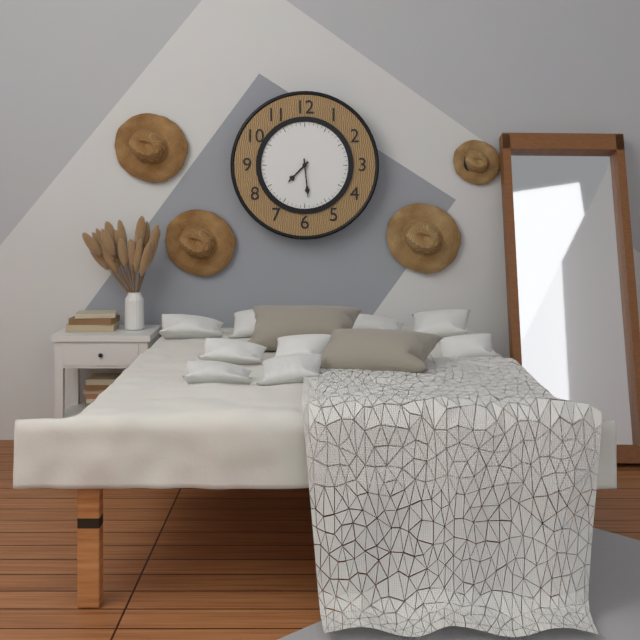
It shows 7h29
